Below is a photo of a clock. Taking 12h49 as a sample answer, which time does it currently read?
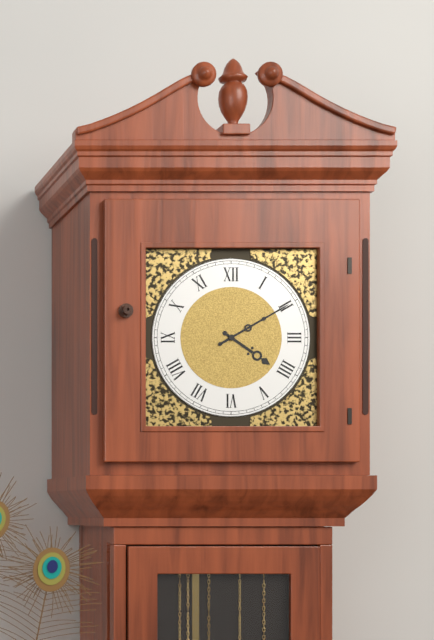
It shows 4h10
